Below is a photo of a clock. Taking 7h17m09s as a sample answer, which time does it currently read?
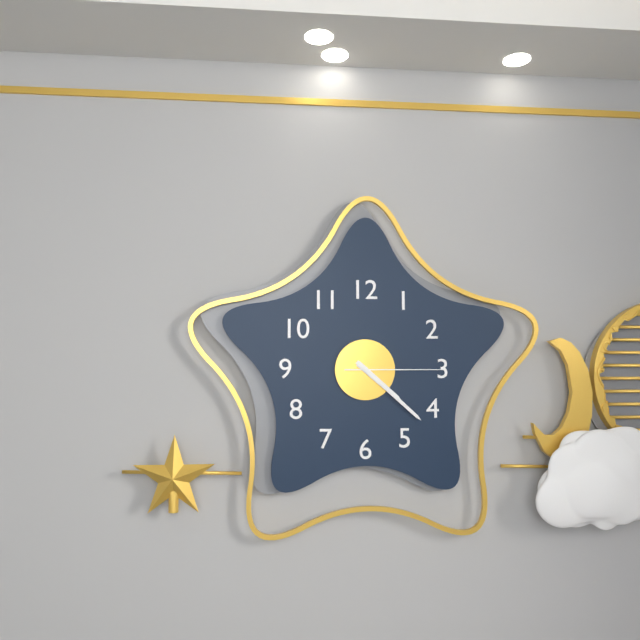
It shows 4h22m15s
